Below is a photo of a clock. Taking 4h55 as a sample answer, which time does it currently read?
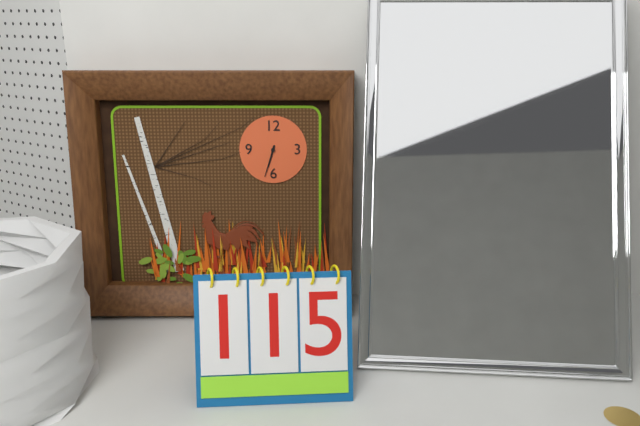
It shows 6h33
